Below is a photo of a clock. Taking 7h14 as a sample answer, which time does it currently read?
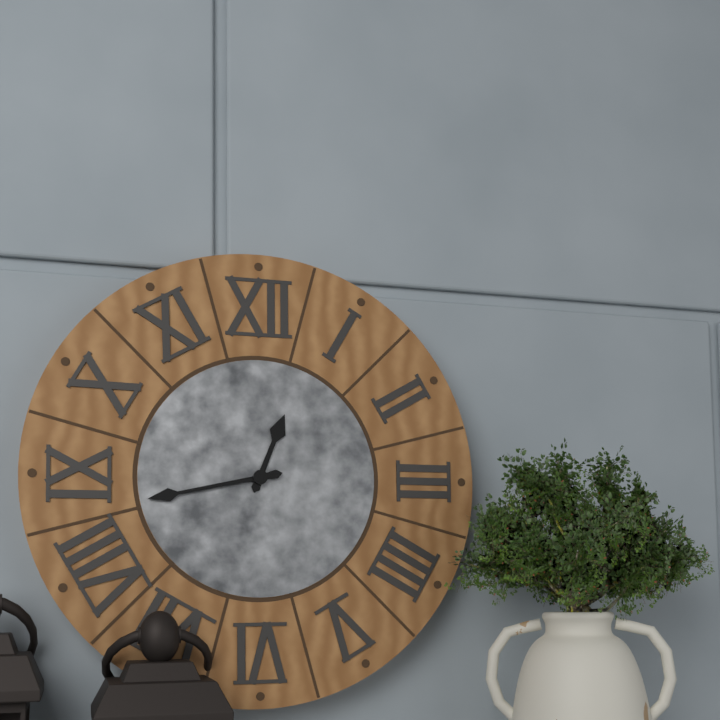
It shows 12h43
